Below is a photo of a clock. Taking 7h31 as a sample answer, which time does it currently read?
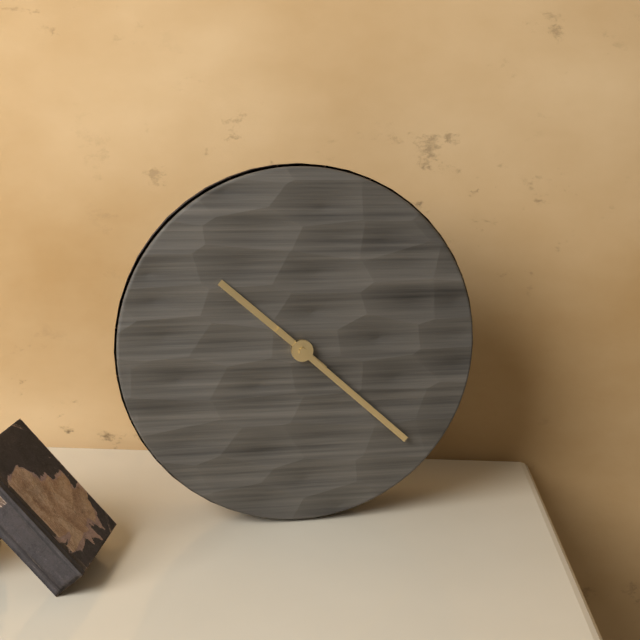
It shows 10h22
